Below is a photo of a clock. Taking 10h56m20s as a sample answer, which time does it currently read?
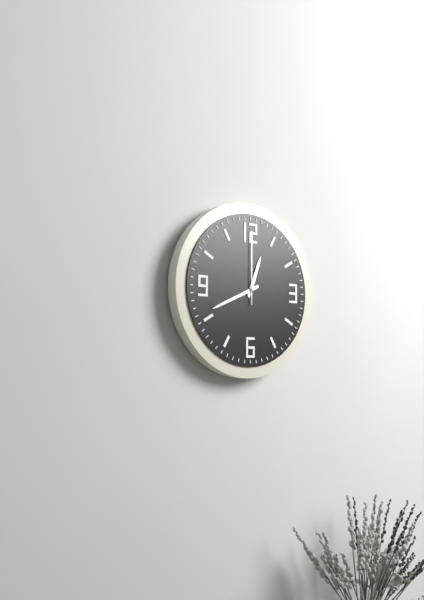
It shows 12h41m00s
